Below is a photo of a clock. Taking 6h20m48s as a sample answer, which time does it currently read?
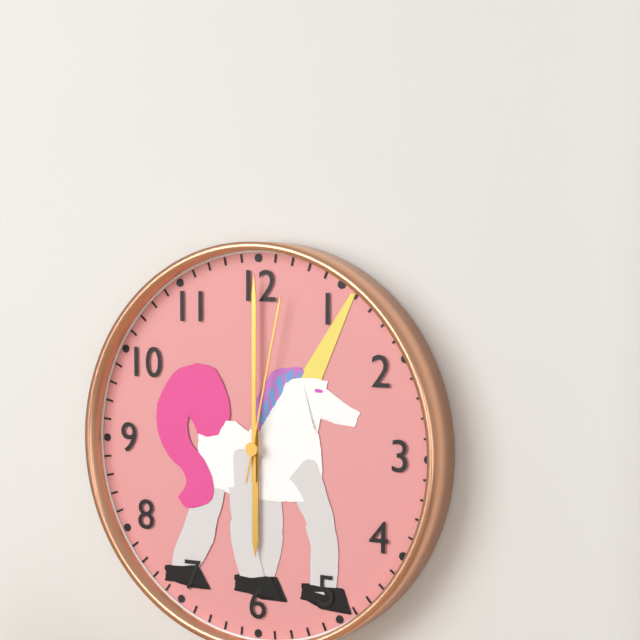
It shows 6h00m02s
